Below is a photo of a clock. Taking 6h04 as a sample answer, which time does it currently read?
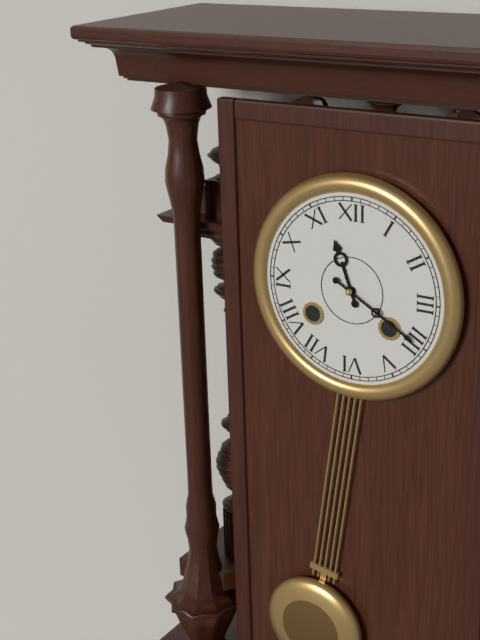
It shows 11h20
